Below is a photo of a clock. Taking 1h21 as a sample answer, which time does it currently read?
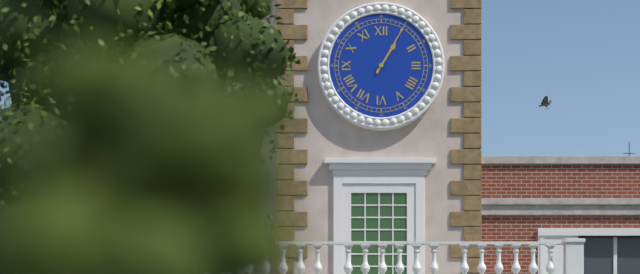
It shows 1h05
